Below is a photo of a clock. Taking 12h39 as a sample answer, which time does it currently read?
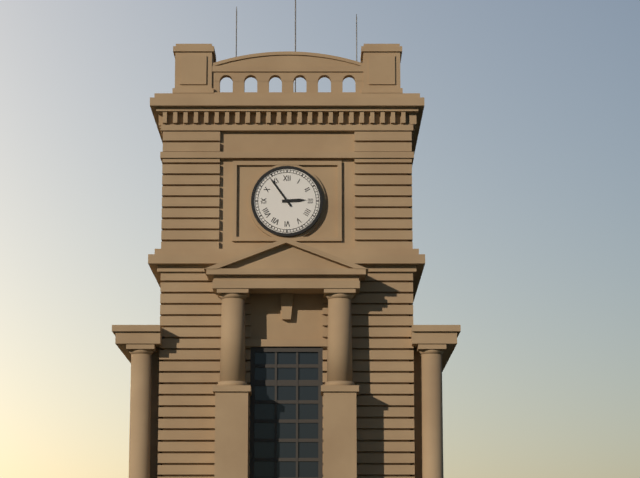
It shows 2h54
